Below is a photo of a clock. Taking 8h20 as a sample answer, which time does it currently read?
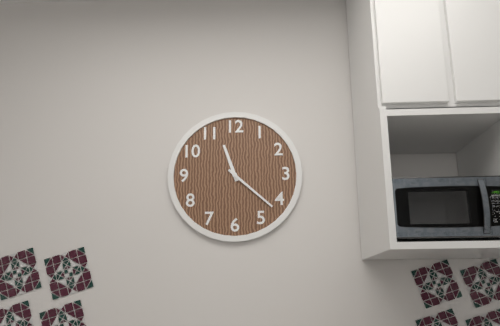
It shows 11h22
